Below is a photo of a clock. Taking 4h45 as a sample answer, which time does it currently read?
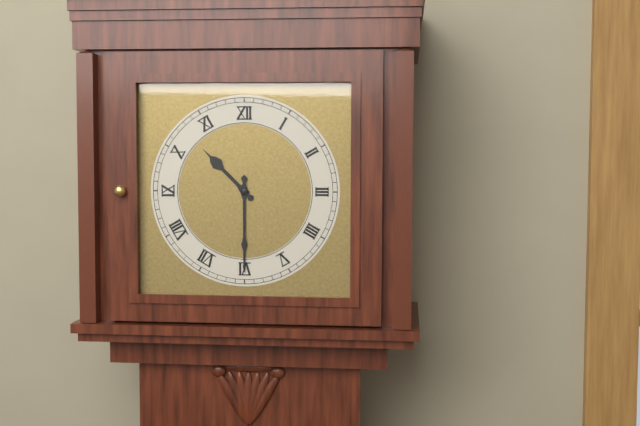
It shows 10h30
